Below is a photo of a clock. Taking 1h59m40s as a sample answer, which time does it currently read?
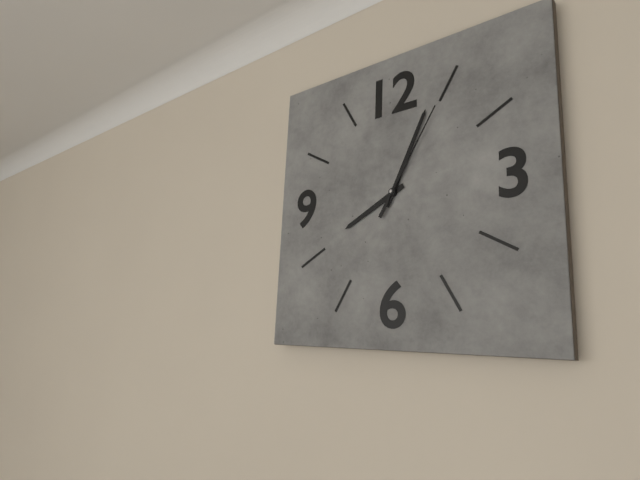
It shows 8h04m05s
